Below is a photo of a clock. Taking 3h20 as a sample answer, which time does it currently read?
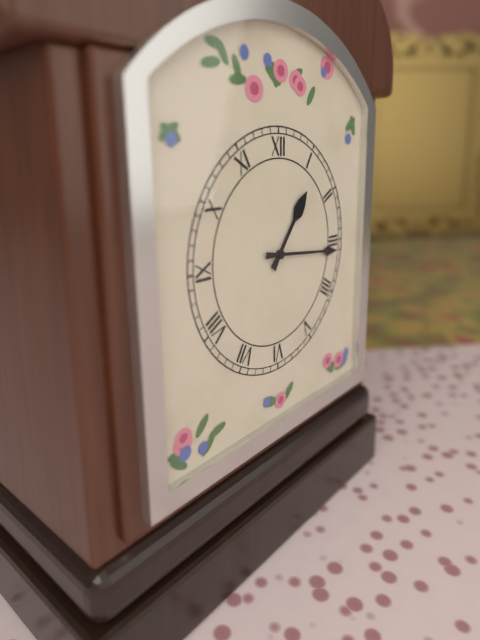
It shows 1h16
